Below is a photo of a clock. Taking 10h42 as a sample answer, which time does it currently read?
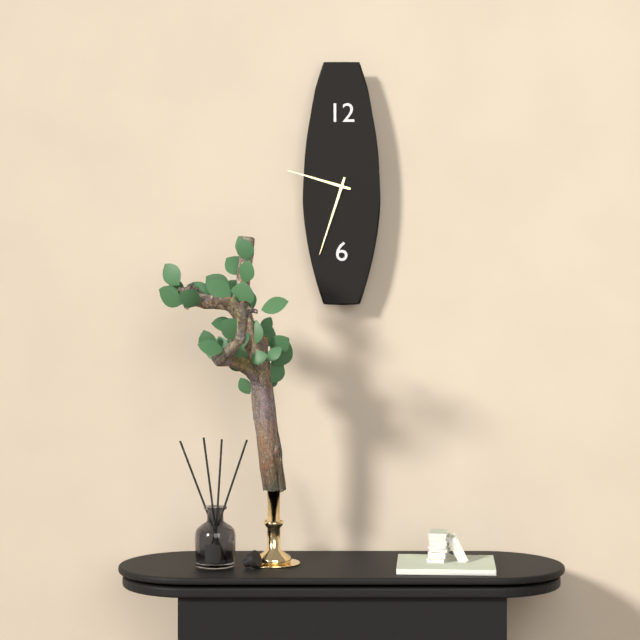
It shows 9h33
